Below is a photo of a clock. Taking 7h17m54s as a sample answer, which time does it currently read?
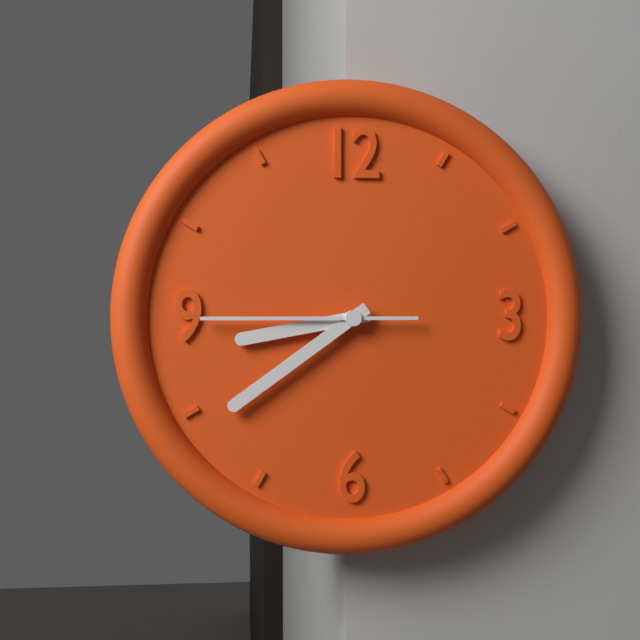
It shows 8h39m45s
